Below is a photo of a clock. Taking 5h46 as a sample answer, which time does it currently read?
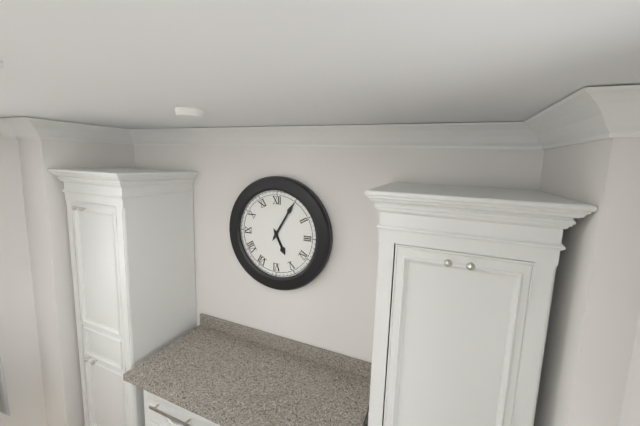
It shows 5h05
